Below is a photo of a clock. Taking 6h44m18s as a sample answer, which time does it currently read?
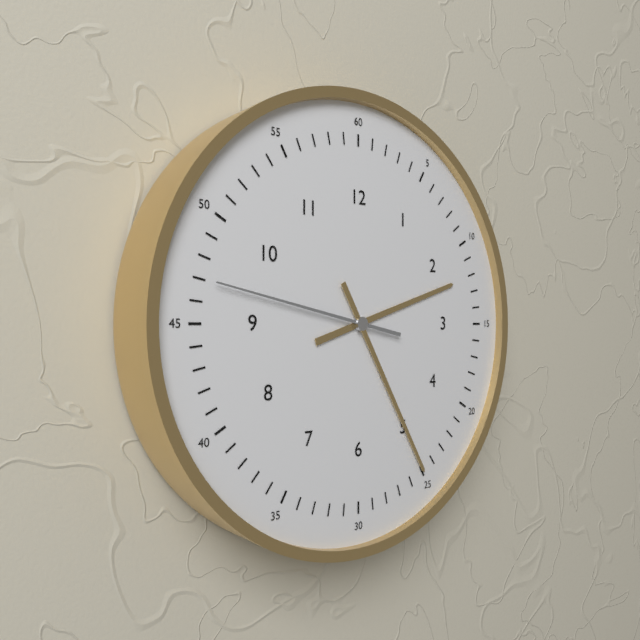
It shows 2h25m47s
